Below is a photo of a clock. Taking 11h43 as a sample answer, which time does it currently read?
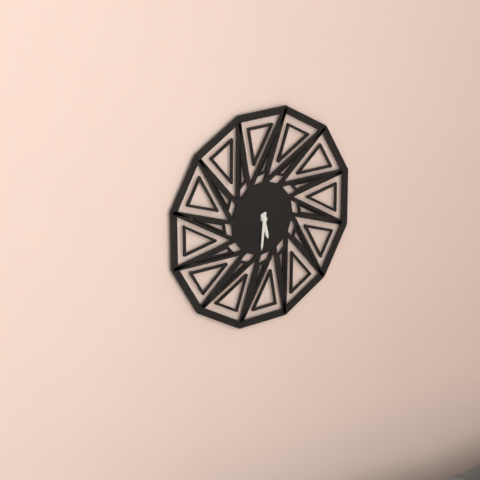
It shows 5h31
